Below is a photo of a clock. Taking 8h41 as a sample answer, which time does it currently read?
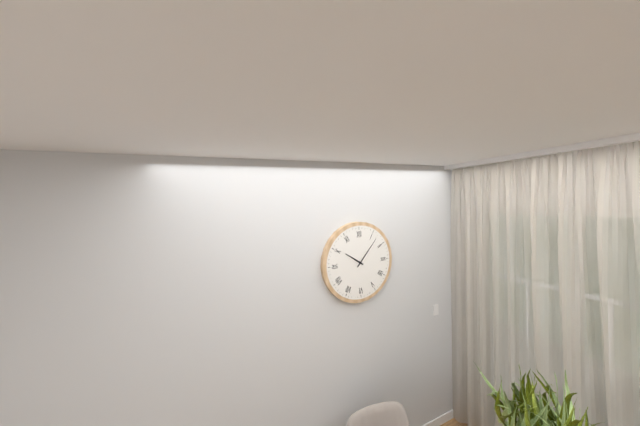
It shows 10h07
